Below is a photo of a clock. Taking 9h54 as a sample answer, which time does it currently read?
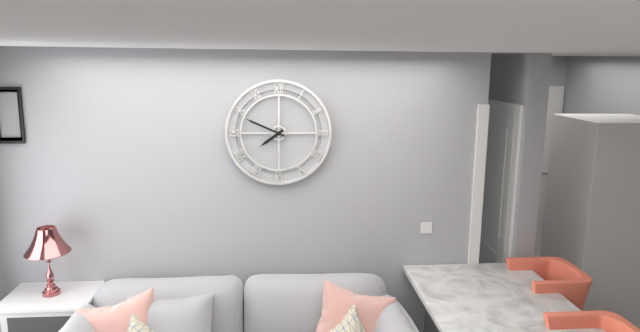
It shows 7h49
